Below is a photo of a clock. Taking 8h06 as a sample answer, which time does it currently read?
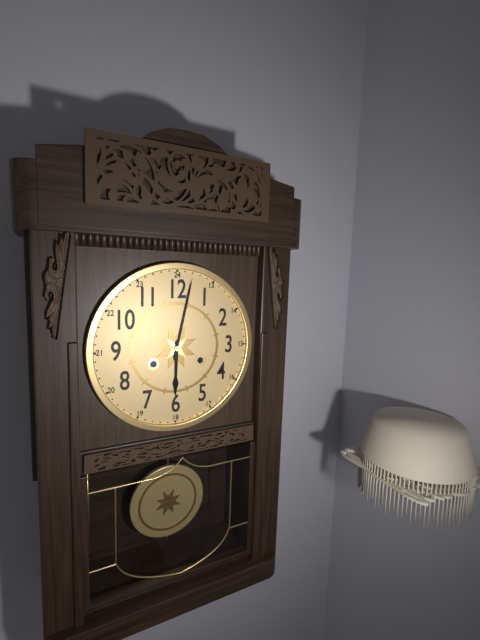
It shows 6h02
